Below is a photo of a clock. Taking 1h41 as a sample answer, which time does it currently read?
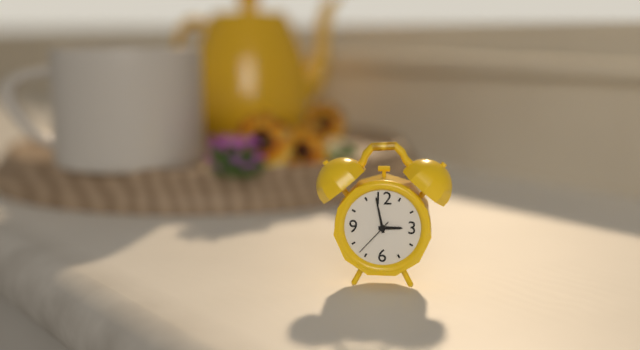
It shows 2h58
